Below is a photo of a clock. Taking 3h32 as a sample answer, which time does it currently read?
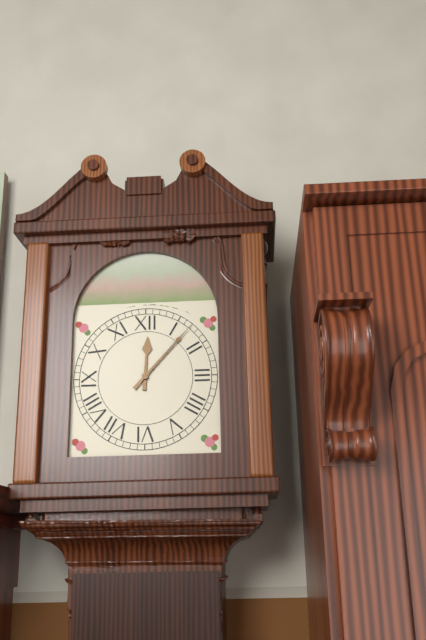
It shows 12h07
